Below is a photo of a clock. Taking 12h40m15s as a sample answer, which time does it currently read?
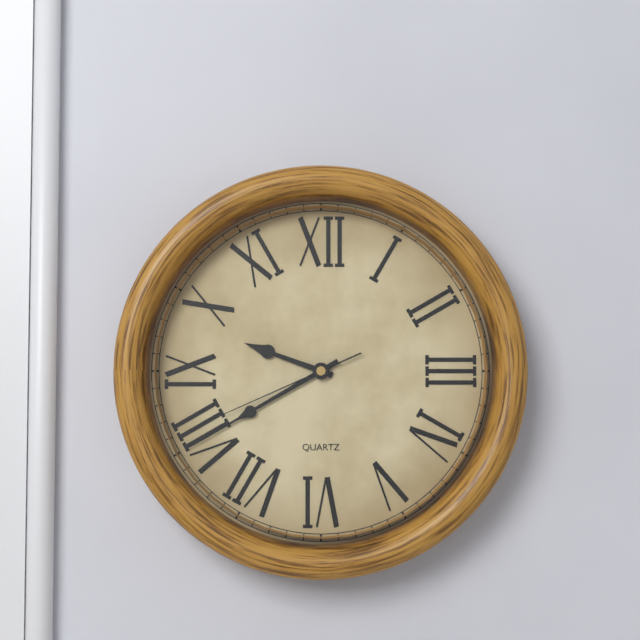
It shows 9h40m41s
